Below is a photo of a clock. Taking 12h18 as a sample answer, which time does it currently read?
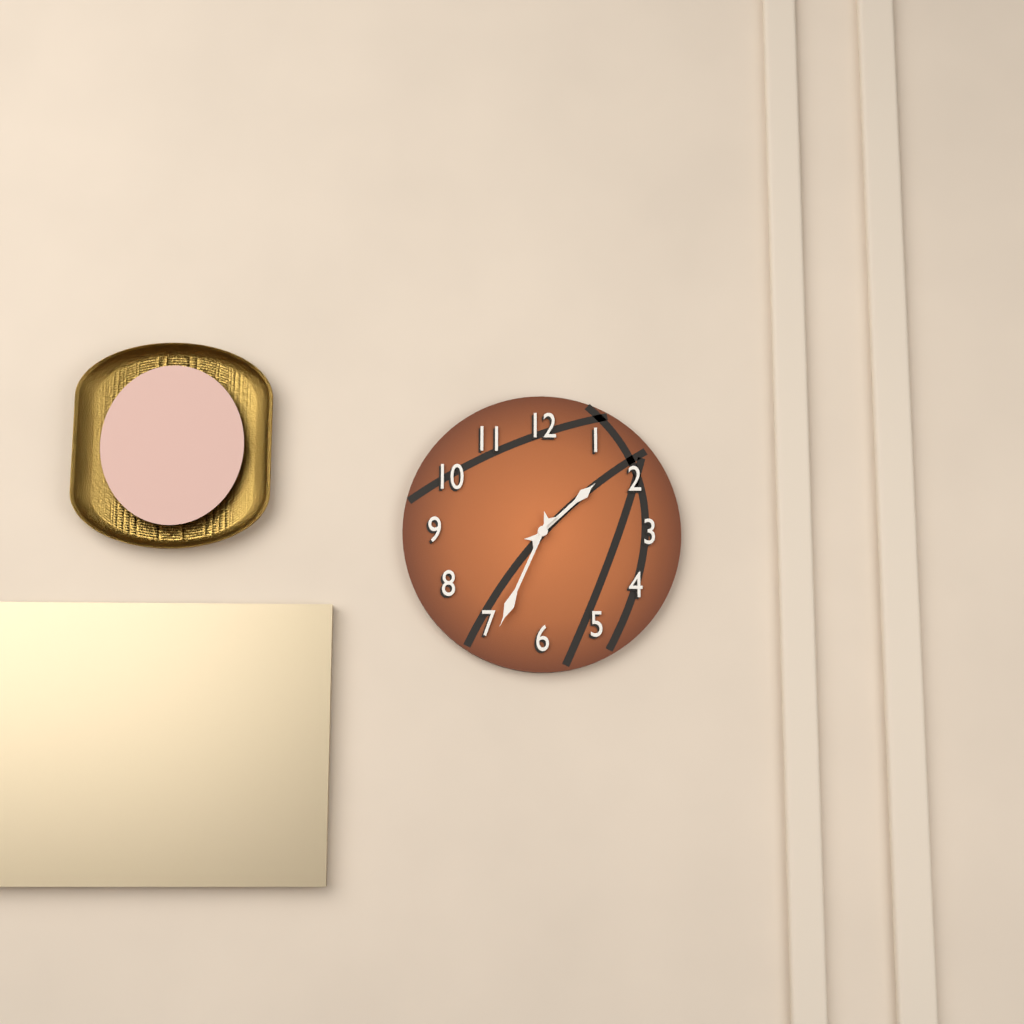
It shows 1h34
